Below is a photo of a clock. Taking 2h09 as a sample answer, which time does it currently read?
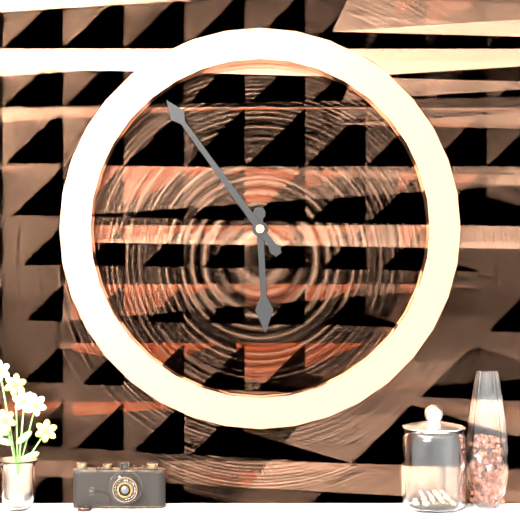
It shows 5h54
